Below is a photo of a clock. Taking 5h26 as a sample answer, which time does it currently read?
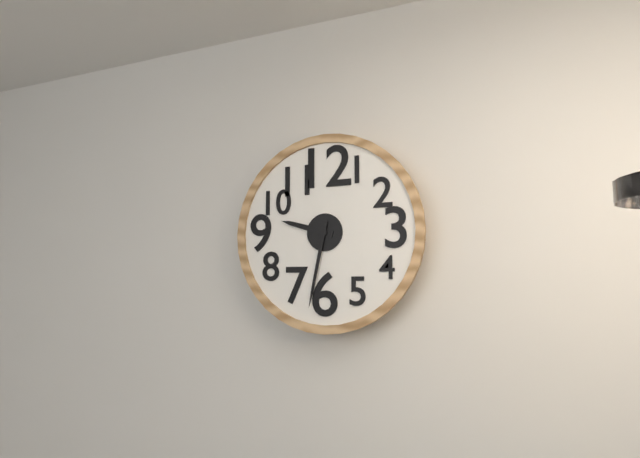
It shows 9h32
